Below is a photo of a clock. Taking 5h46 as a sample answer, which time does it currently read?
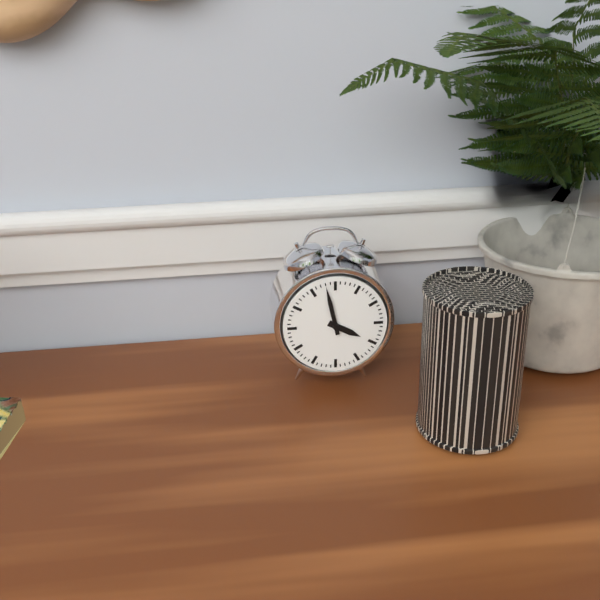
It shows 3h58
